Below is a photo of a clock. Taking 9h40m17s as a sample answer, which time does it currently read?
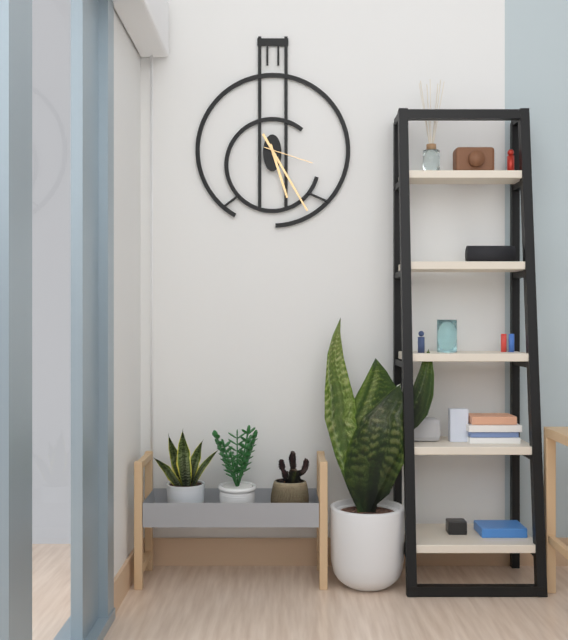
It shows 5h25m18s
